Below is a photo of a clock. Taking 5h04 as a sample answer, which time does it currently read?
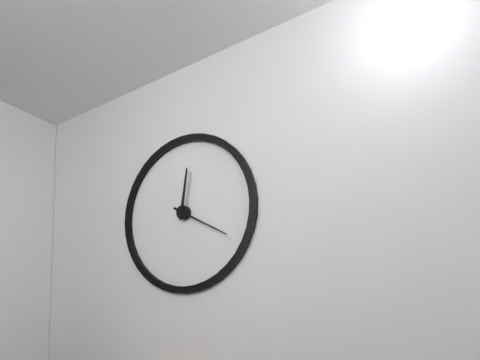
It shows 12h20
